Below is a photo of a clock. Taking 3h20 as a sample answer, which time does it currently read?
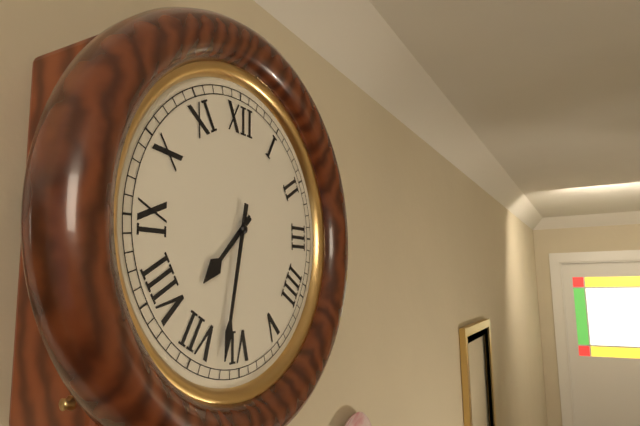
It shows 7h32
